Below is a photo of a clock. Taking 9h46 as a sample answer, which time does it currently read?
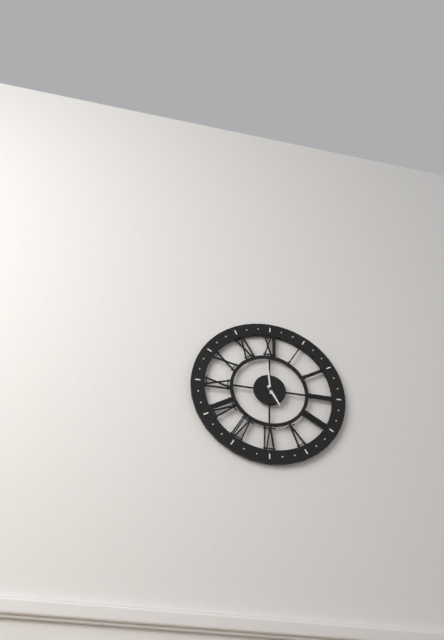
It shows 4h59
